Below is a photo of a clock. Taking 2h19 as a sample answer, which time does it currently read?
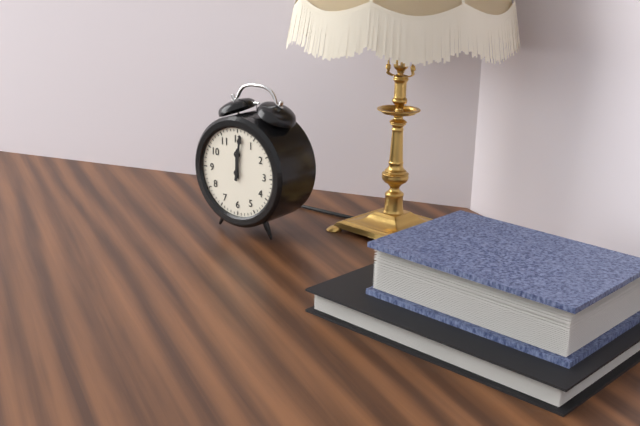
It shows 12h01
